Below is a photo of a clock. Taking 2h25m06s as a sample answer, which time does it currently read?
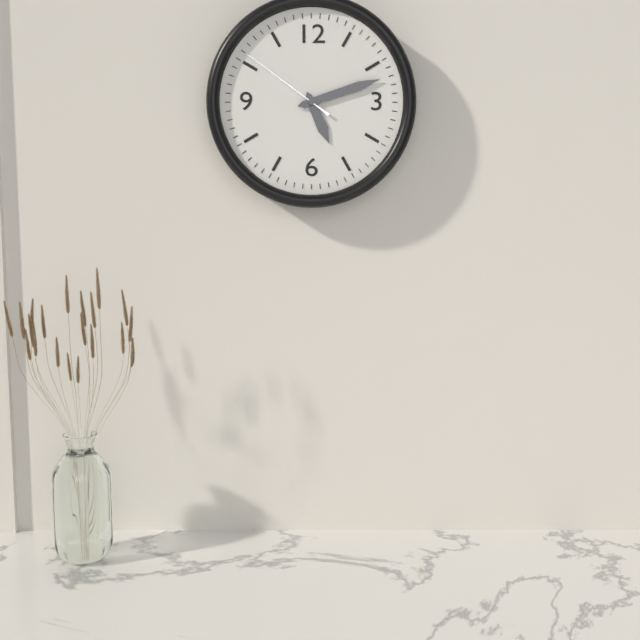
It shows 5h12m51s
